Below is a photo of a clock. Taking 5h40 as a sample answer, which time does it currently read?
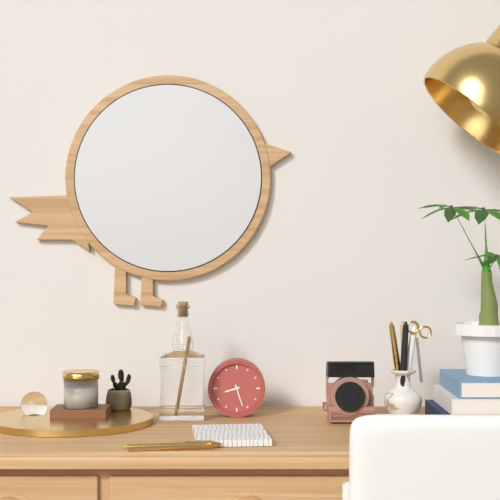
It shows 8h27
